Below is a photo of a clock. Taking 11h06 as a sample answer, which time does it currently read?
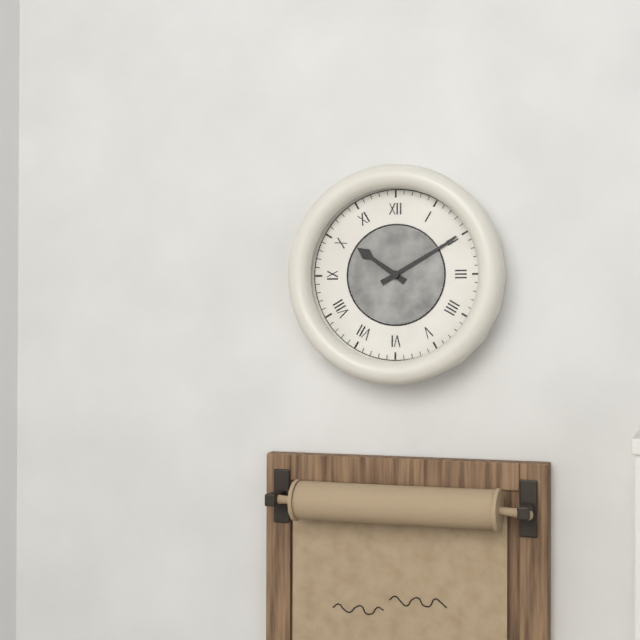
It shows 10h10
